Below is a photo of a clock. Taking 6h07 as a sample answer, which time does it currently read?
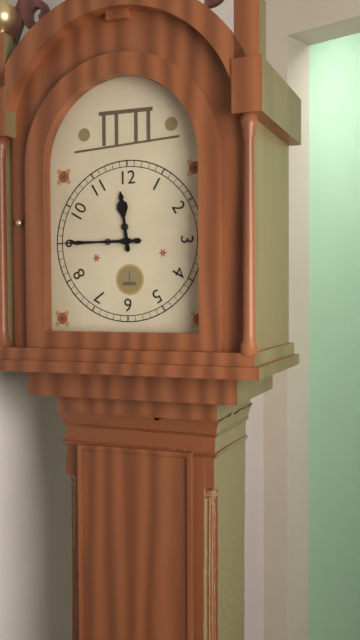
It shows 11h45
